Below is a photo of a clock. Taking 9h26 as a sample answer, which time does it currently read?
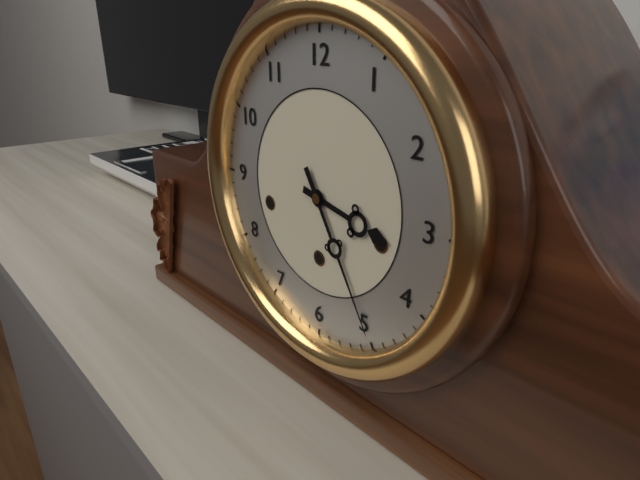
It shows 3h25
